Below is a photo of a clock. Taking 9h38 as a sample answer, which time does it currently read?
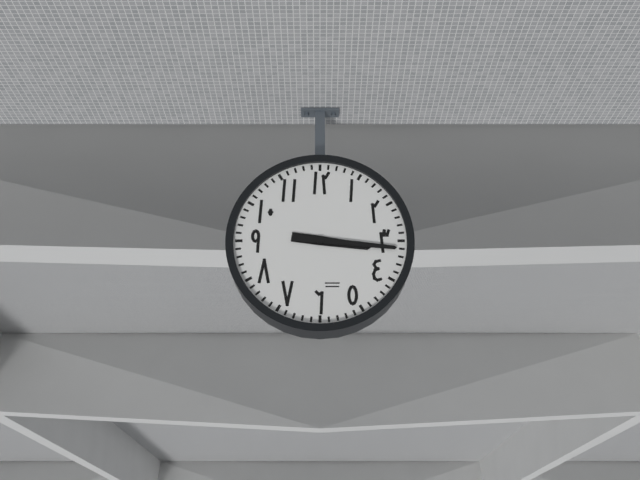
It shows 3h16
